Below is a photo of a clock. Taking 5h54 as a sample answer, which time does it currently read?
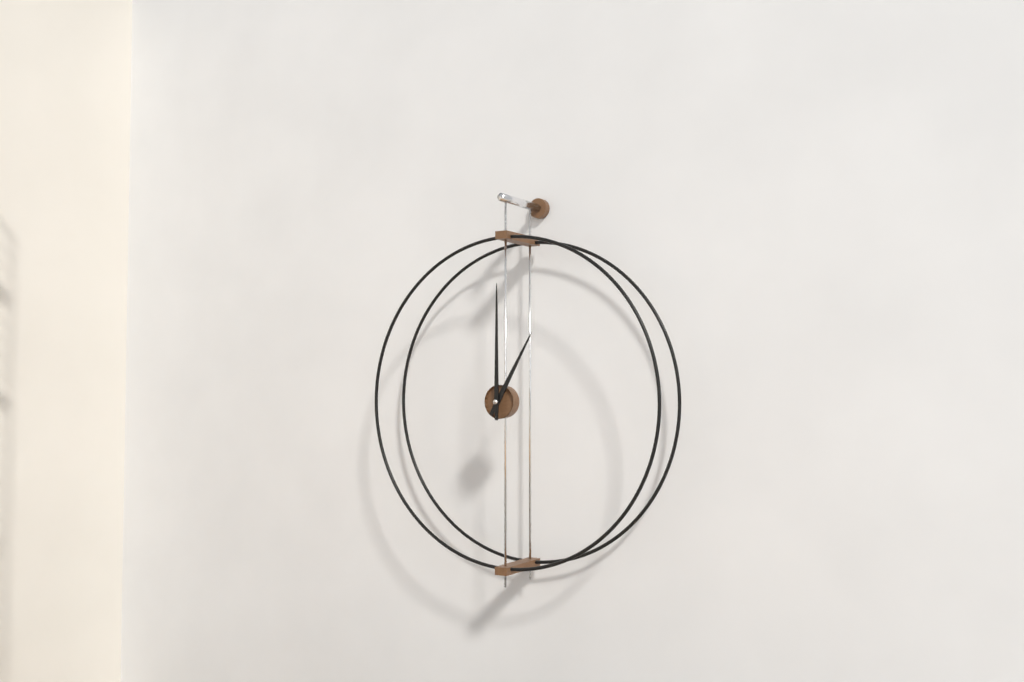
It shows 1h00
